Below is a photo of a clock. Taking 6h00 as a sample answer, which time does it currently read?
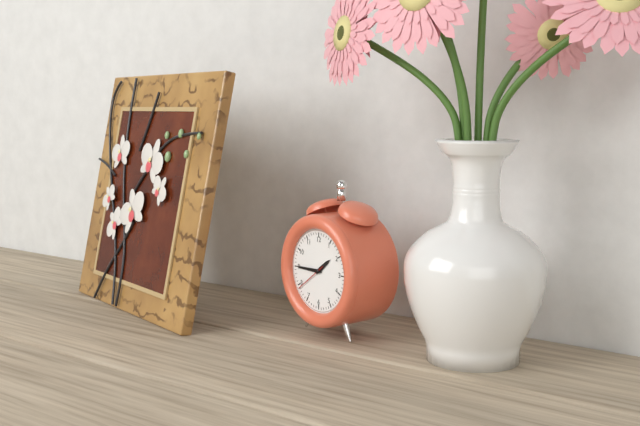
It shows 1h45
